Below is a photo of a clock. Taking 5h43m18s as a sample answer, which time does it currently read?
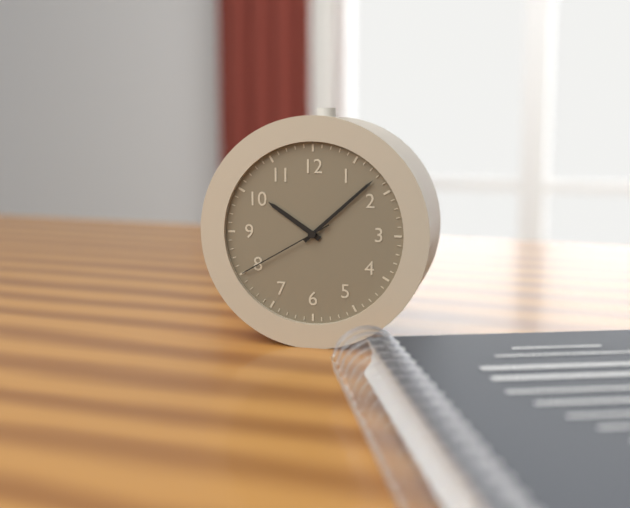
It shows 10h08m40s
